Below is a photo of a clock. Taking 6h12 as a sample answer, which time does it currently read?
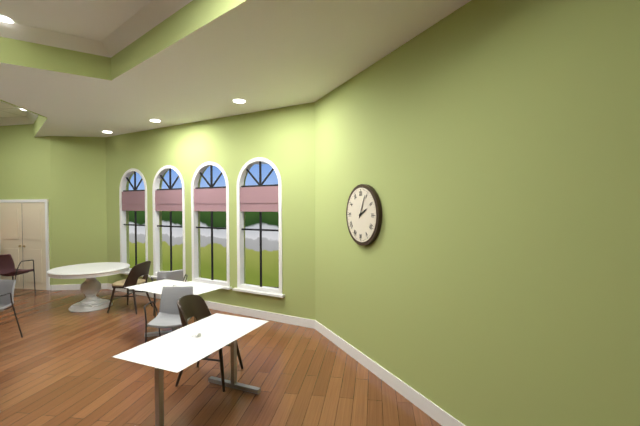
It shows 2h04
